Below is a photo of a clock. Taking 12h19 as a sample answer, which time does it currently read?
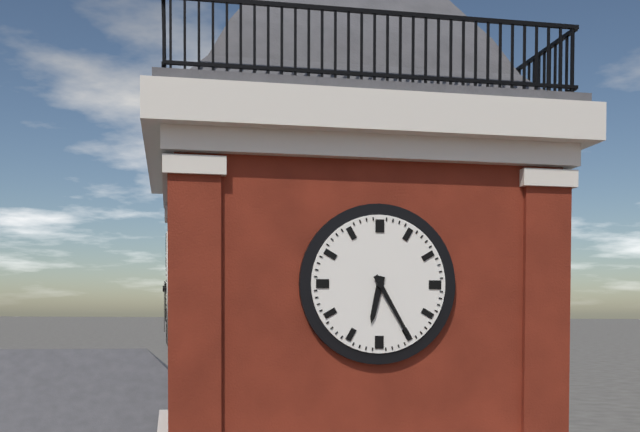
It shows 6h25
